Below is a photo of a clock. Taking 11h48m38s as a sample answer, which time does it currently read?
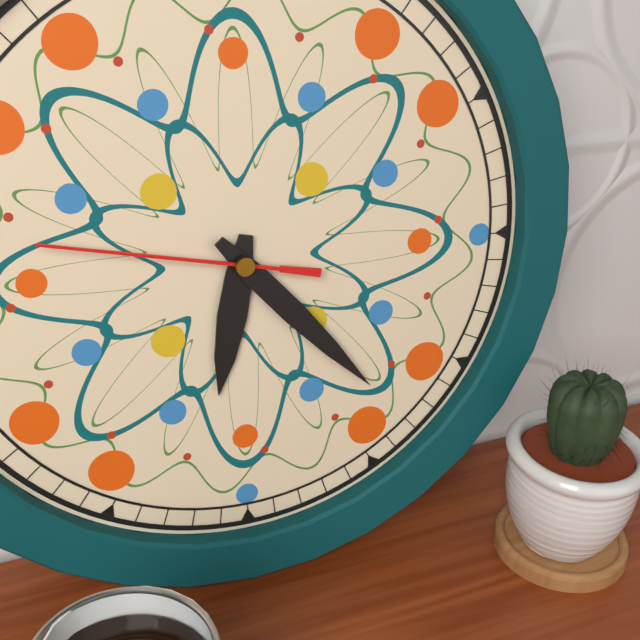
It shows 6h23m47s
